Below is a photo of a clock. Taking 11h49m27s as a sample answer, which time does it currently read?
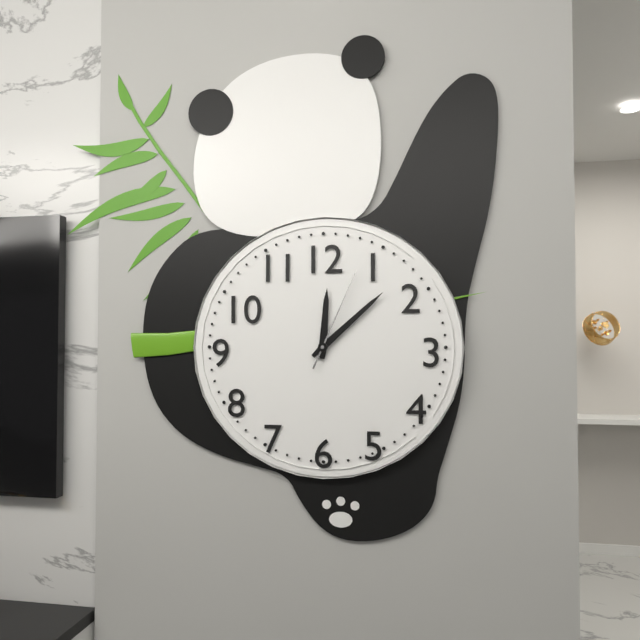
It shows 12h08m04s
